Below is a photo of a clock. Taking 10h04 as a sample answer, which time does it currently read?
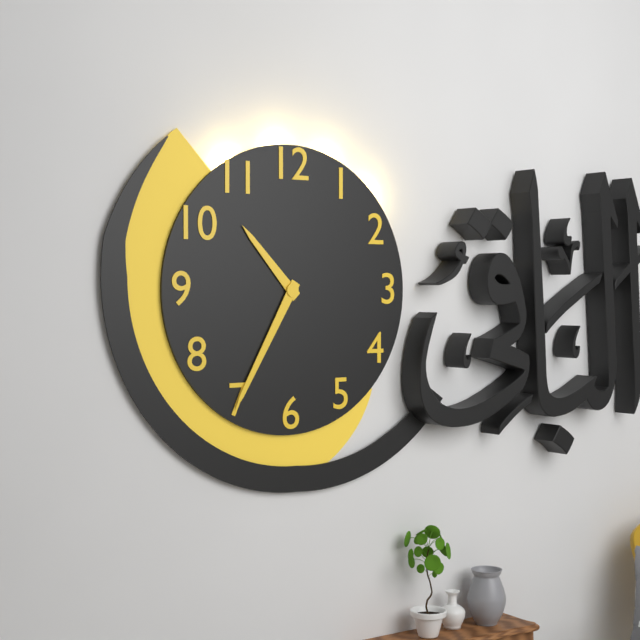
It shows 10h35
